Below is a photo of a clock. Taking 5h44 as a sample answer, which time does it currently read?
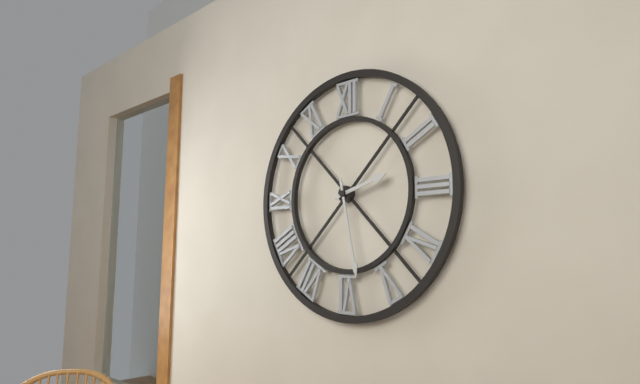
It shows 2h28
